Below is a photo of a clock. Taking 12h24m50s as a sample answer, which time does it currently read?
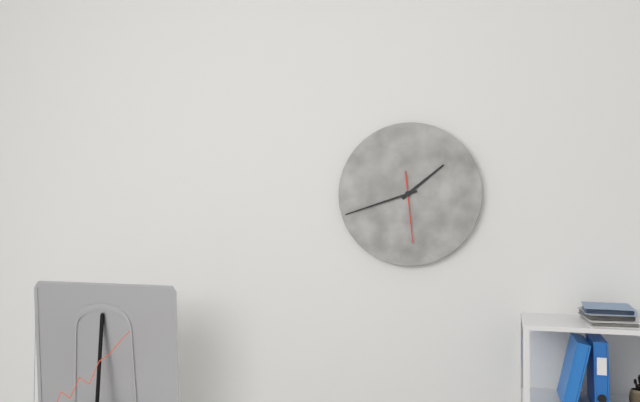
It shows 1h42m29s
